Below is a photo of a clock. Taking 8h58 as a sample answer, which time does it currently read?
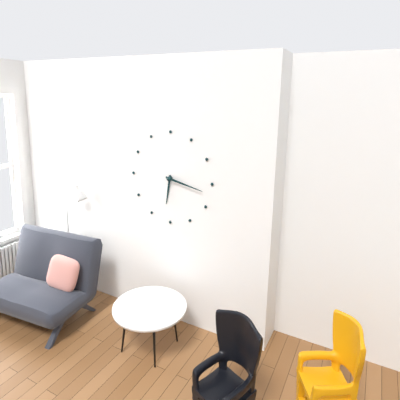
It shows 6h17
